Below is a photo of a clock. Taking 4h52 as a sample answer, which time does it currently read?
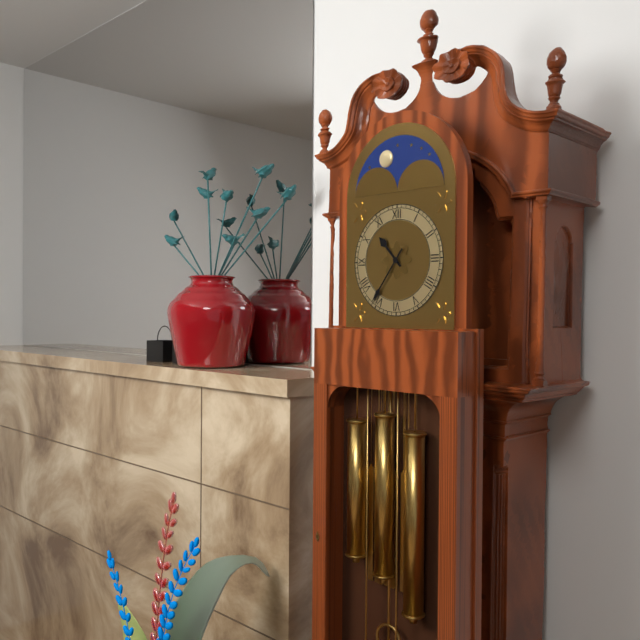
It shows 10h36
